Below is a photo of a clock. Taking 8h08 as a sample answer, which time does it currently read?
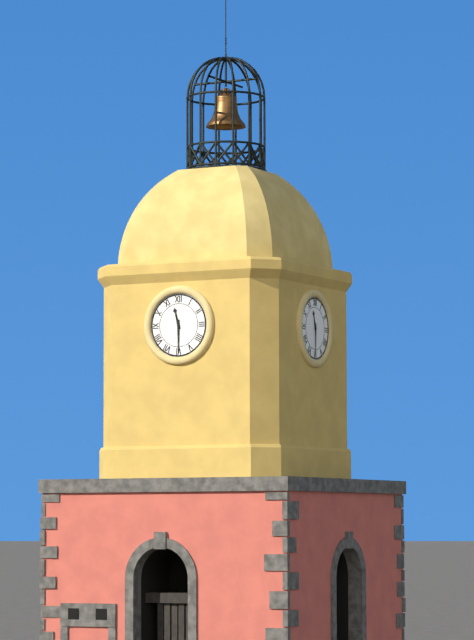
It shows 11h30
